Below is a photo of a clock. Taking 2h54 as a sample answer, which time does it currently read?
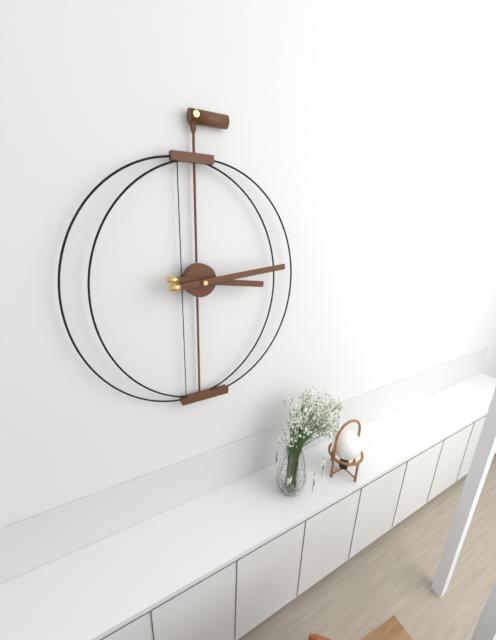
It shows 3h14
